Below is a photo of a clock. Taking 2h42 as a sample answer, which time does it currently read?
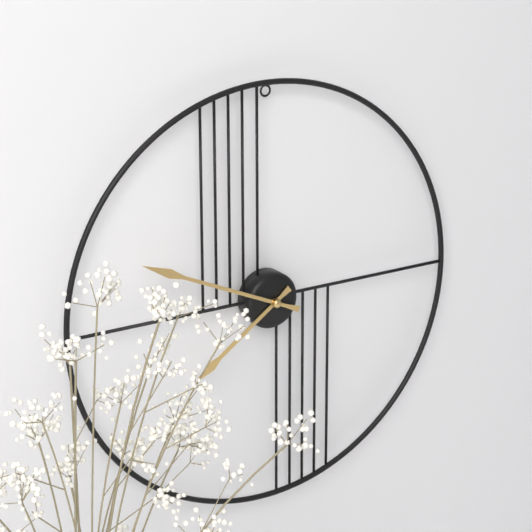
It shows 7h49
